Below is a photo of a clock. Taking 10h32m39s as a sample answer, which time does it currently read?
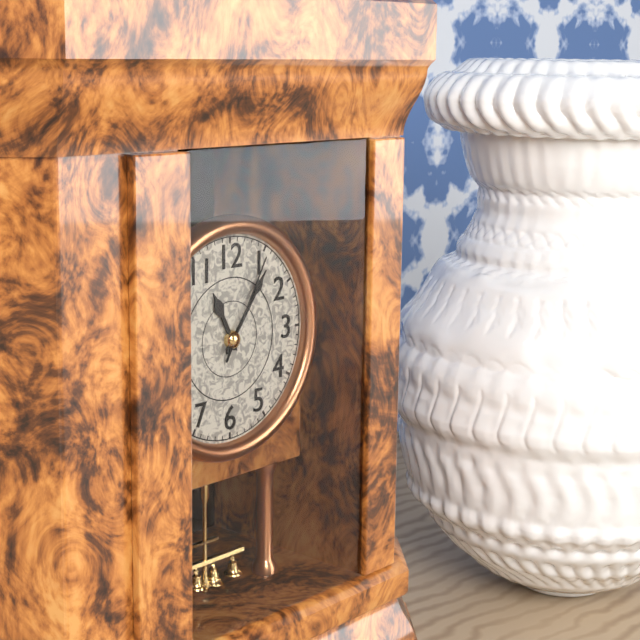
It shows 11h06m05s
